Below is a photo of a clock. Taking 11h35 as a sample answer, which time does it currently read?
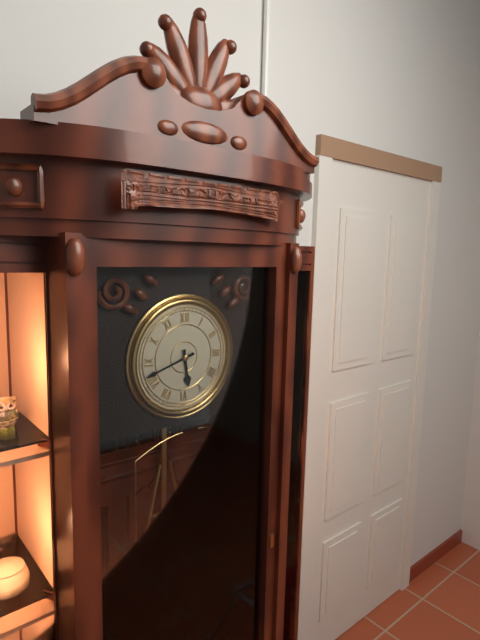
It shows 5h42
